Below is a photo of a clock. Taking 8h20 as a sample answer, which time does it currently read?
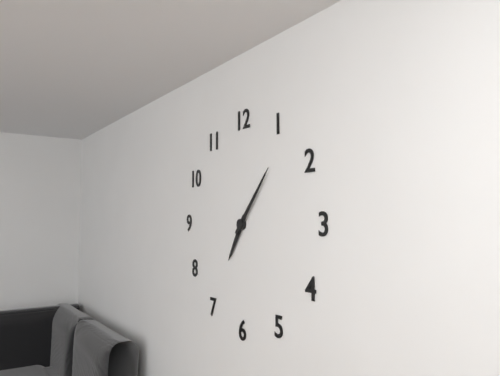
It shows 7h07
